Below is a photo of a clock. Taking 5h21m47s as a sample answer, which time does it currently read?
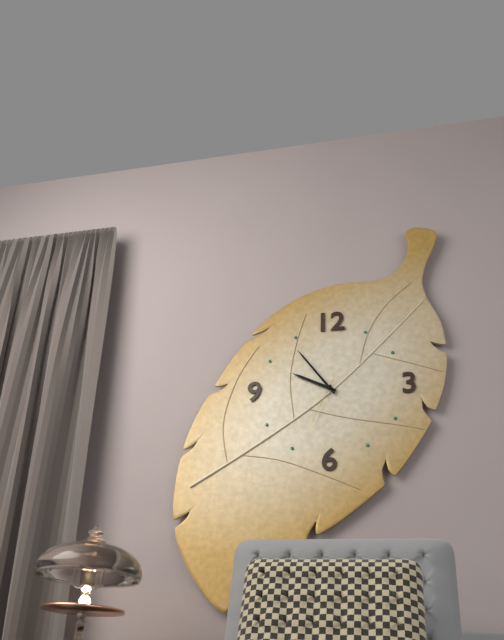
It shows 9h54m34s
